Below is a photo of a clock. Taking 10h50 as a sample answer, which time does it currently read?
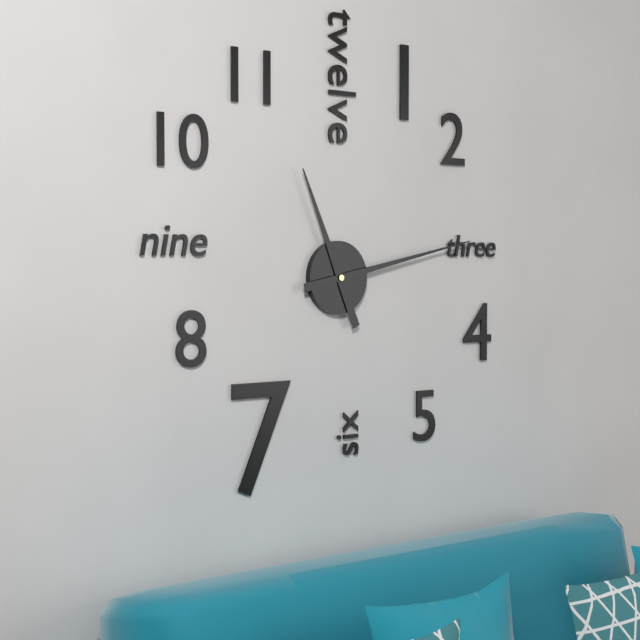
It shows 11h13
